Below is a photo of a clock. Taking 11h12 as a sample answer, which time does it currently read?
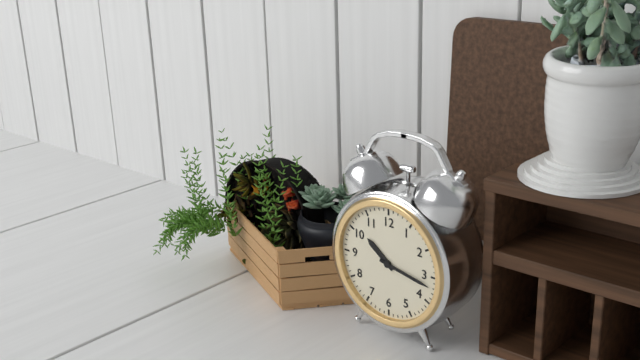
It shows 10h17
